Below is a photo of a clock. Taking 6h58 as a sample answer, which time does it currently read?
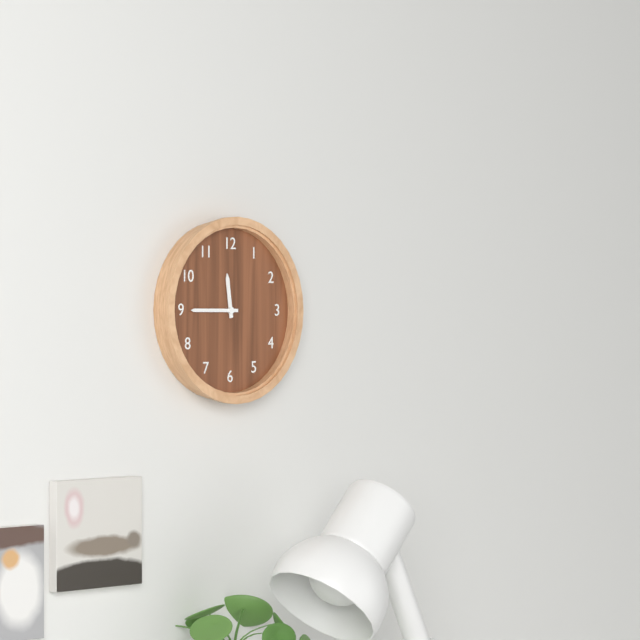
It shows 11h45
